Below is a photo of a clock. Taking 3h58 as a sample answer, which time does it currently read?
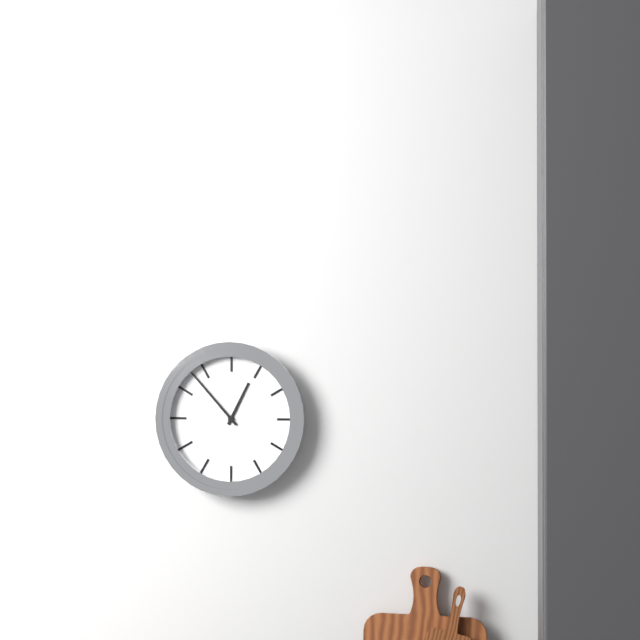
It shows 12h53
